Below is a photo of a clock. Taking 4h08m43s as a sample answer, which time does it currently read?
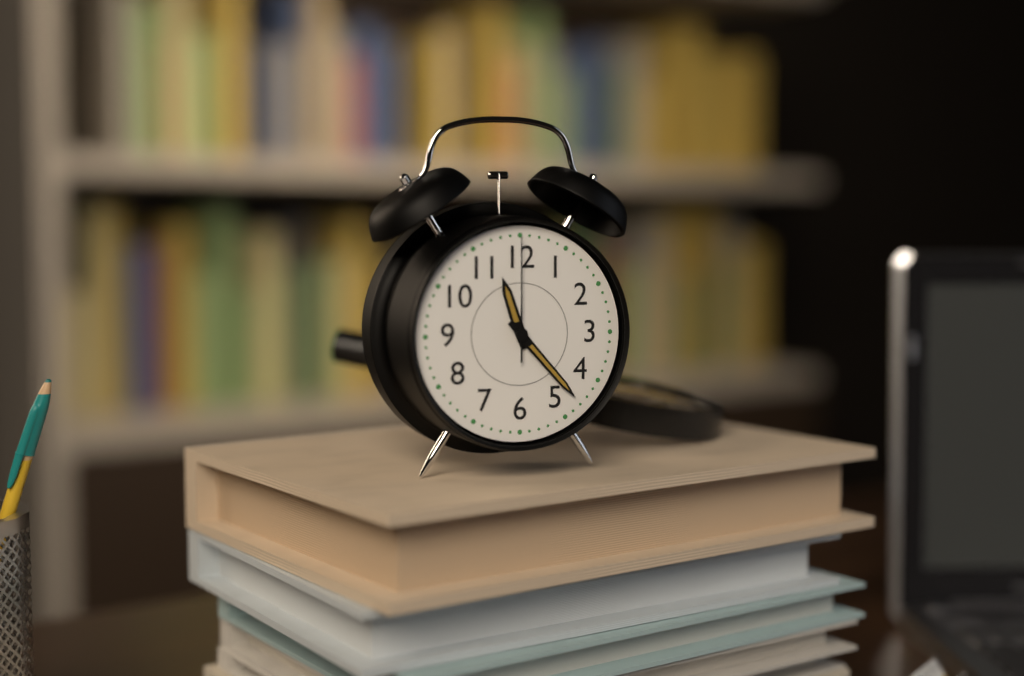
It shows 11h23m00s
